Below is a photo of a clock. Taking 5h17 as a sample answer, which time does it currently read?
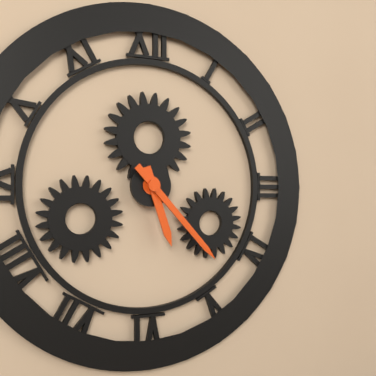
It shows 5h23
